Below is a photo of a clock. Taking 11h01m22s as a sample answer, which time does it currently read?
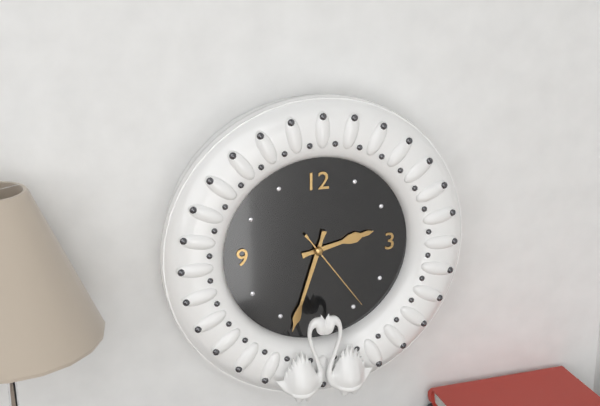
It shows 2h33m24s
